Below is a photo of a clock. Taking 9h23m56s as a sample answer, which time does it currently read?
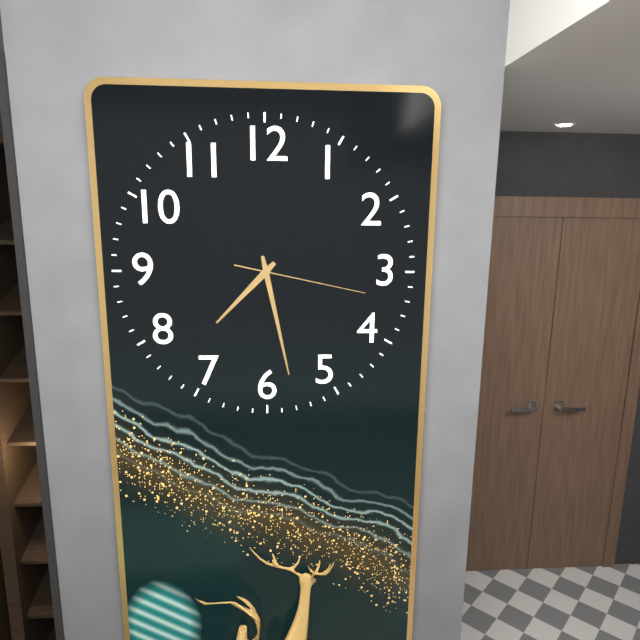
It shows 7h28m17s
